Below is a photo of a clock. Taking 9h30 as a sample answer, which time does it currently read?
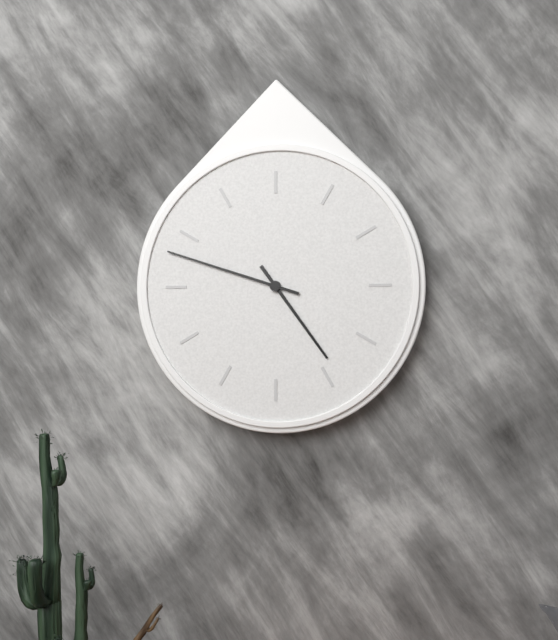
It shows 4h48
